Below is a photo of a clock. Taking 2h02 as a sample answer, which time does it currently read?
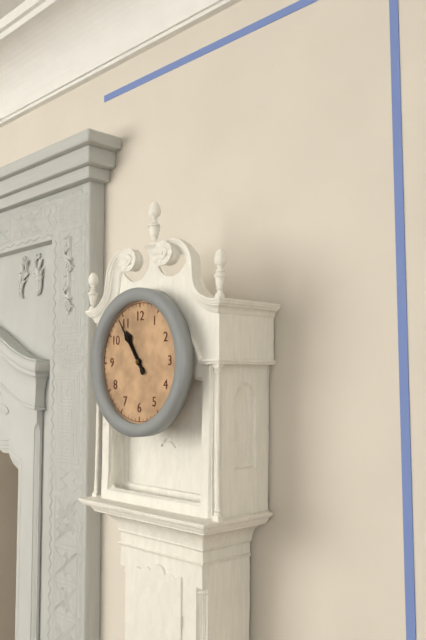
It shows 10h54
